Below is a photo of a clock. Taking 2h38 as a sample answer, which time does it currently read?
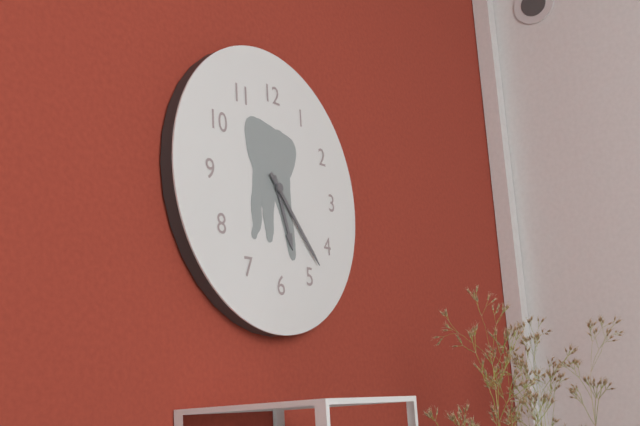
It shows 5h23
